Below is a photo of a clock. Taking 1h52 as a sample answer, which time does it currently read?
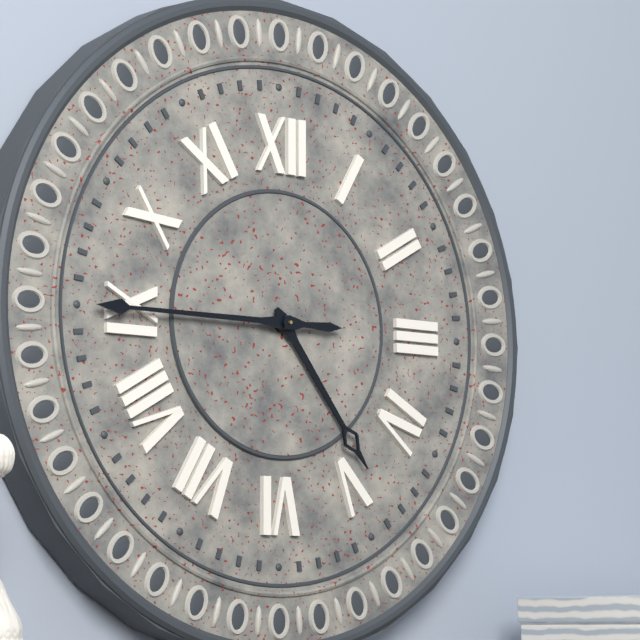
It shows 4h45
